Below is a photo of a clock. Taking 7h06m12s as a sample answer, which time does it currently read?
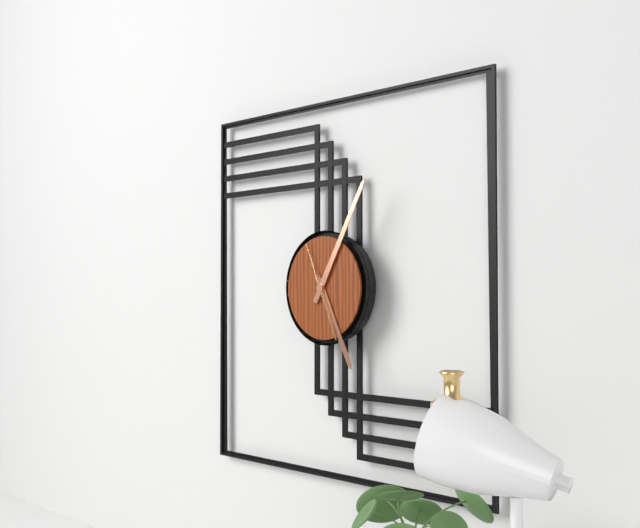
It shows 5h05m26s
